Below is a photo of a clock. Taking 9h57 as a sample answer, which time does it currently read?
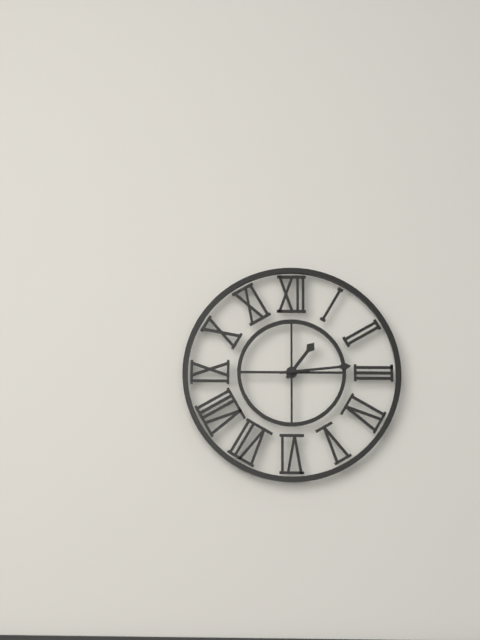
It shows 1h14
